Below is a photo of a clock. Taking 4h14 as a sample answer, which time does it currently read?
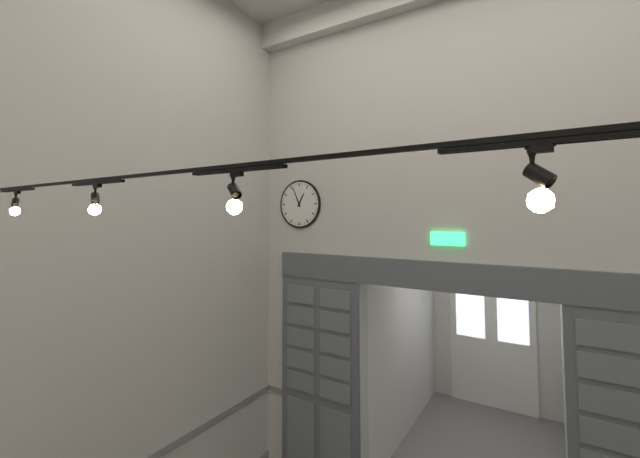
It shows 12h56
